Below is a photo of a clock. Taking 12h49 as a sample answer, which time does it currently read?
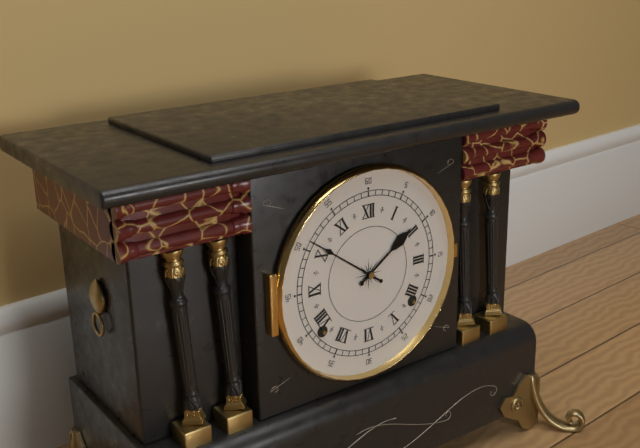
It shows 1h51
